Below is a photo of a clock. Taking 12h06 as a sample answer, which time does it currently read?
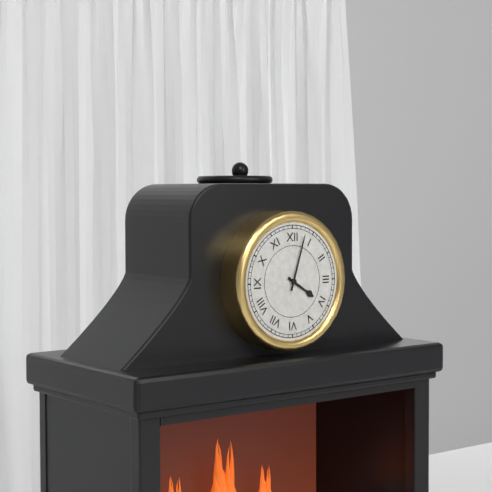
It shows 4h03
